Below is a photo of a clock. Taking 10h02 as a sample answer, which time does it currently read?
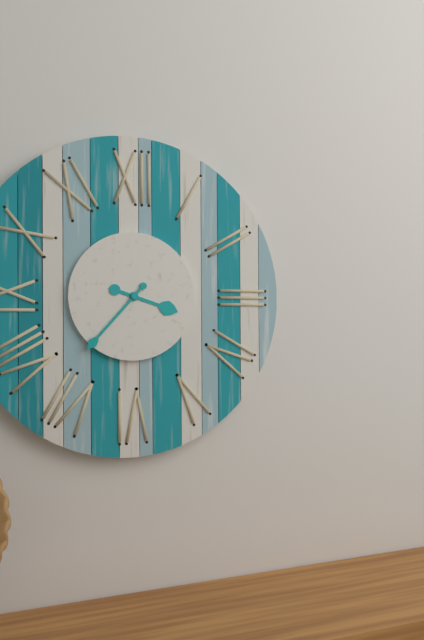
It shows 3h37
